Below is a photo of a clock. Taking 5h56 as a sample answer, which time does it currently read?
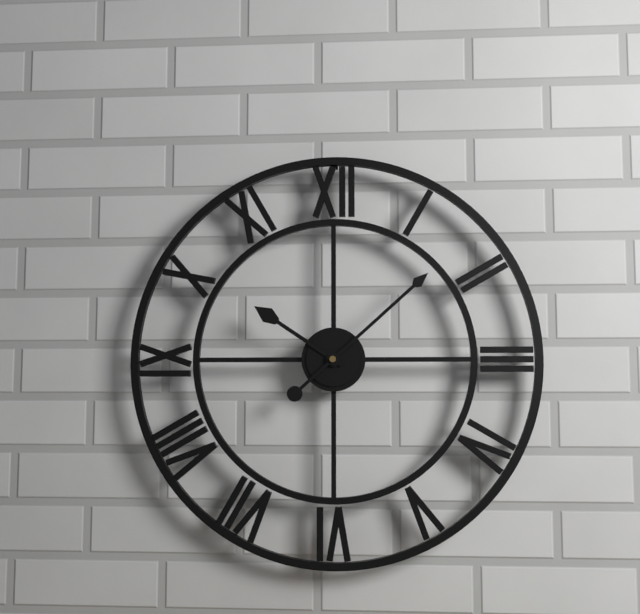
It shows 10h08
